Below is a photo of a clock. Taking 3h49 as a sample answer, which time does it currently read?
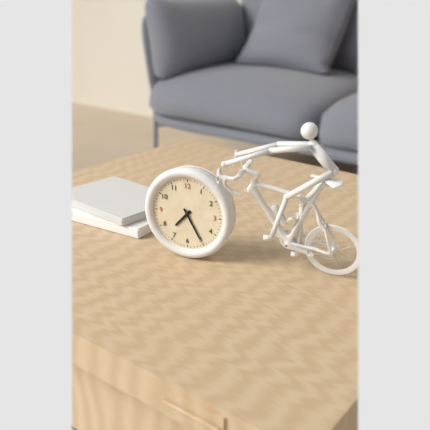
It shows 7h25
